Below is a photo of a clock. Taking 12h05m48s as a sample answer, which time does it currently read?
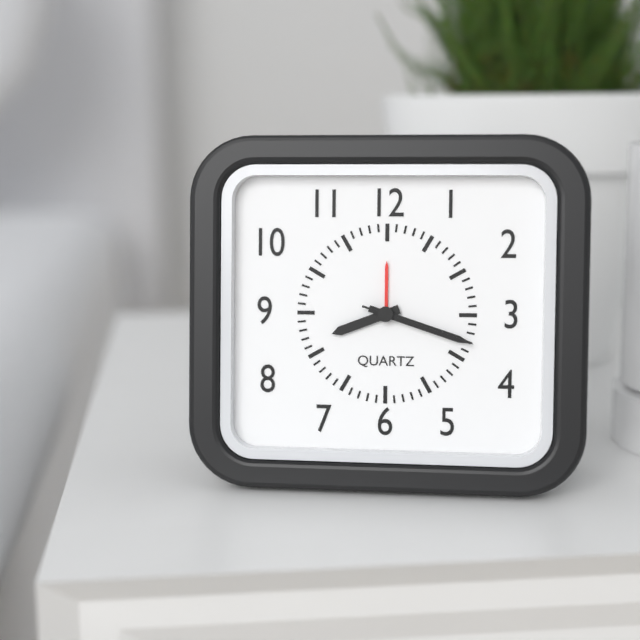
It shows 8h18m18s
